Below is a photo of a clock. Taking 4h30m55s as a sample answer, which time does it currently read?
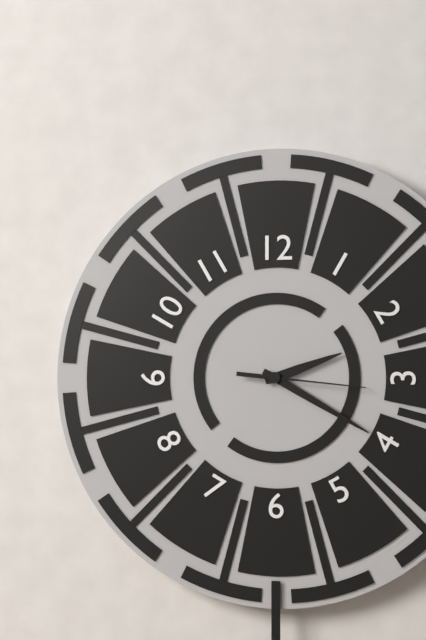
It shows 2h20m16s
